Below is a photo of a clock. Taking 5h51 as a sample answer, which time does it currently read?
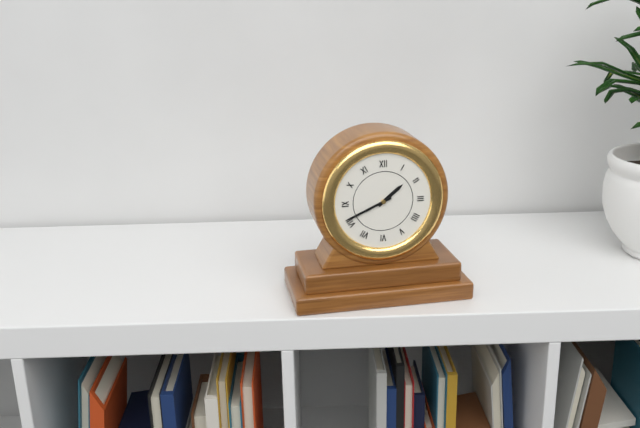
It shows 1h41
